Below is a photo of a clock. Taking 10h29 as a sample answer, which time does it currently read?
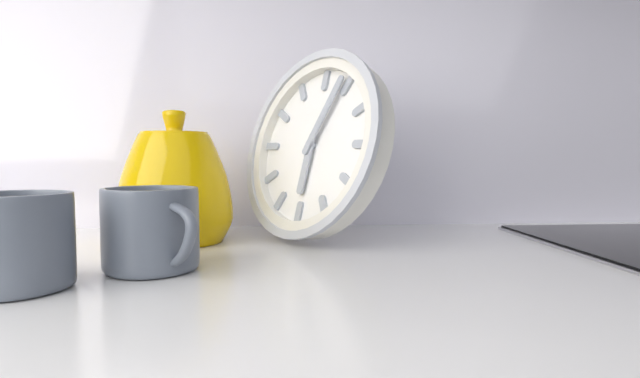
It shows 6h04
